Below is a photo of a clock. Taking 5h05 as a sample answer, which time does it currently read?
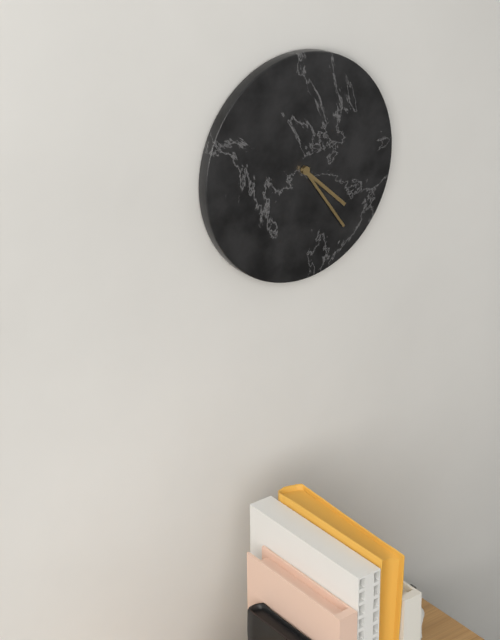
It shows 4h24
